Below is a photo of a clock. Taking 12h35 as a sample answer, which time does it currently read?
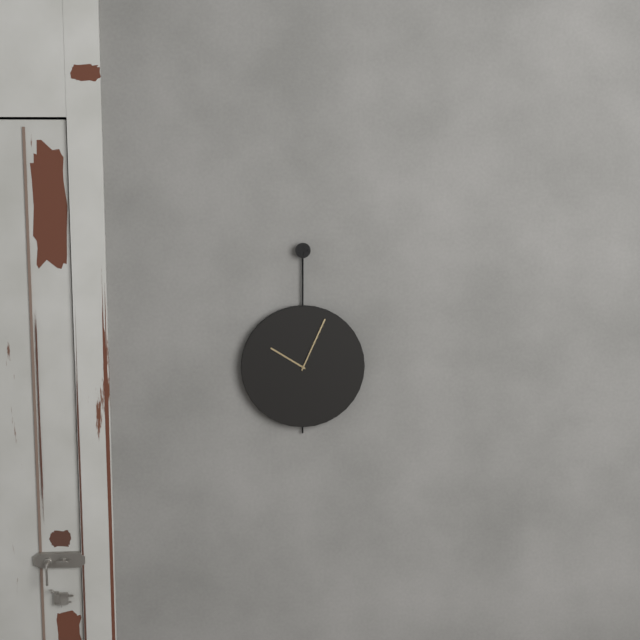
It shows 10h04
